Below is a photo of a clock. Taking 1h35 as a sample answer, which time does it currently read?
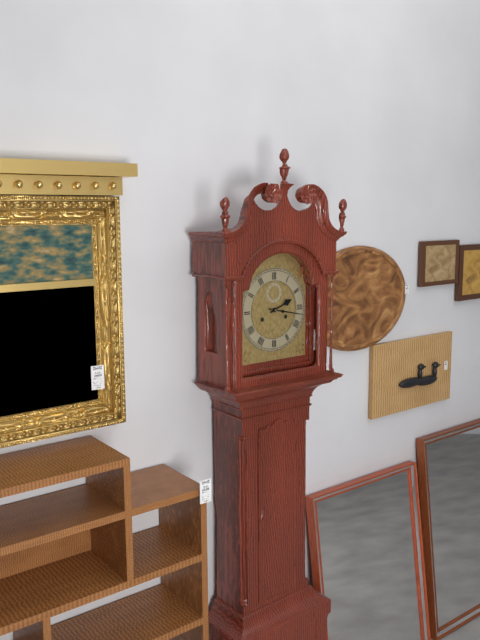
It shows 2h17
